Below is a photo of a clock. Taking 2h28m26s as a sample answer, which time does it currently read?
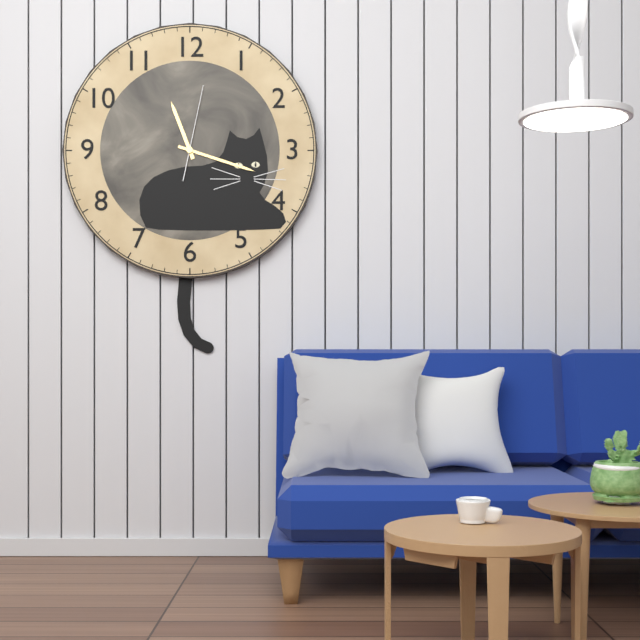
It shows 11h18m02s
